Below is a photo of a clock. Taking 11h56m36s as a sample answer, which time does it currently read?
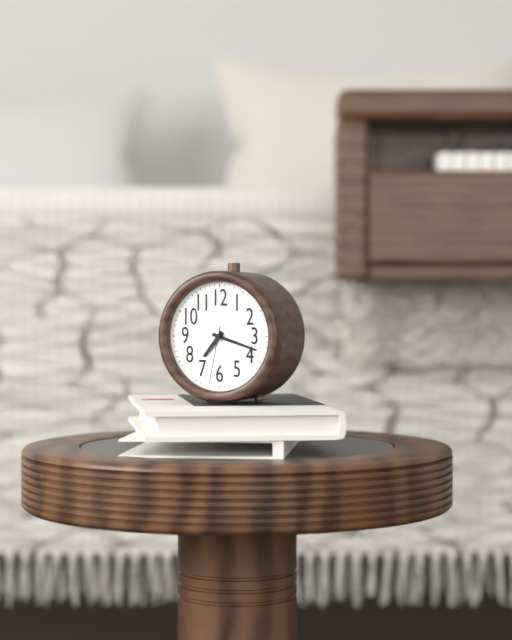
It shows 7h18m32s
